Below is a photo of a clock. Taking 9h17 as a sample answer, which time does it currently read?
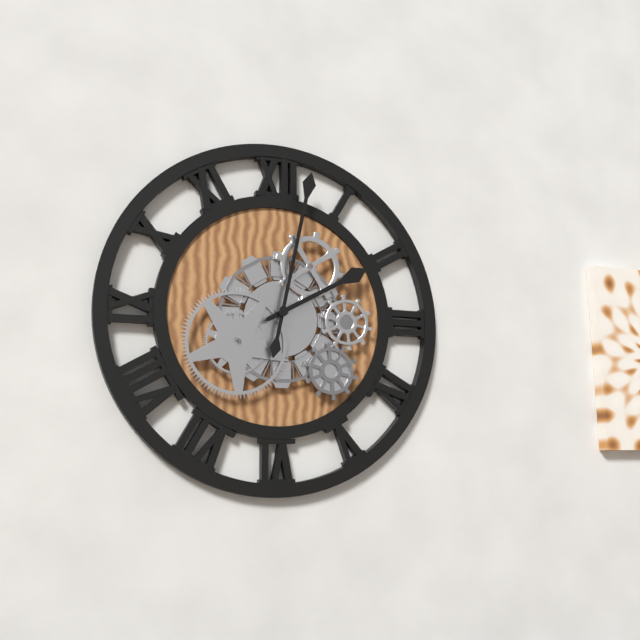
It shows 2h02
